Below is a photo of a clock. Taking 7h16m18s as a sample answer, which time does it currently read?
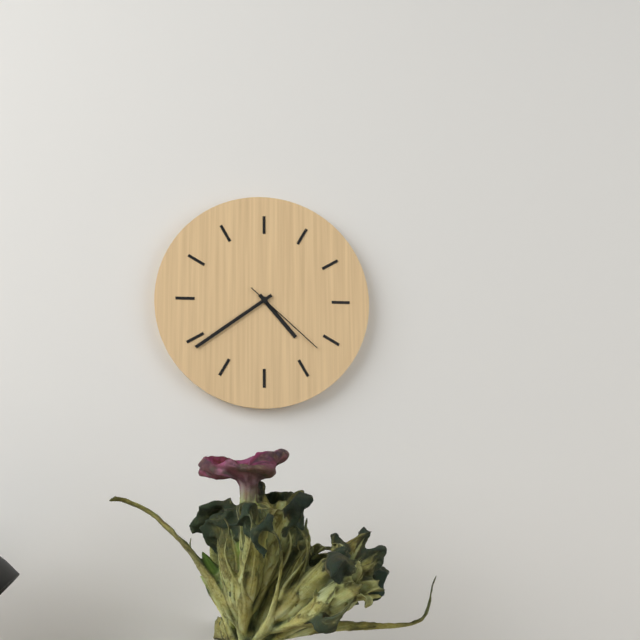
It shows 4h39m22s
